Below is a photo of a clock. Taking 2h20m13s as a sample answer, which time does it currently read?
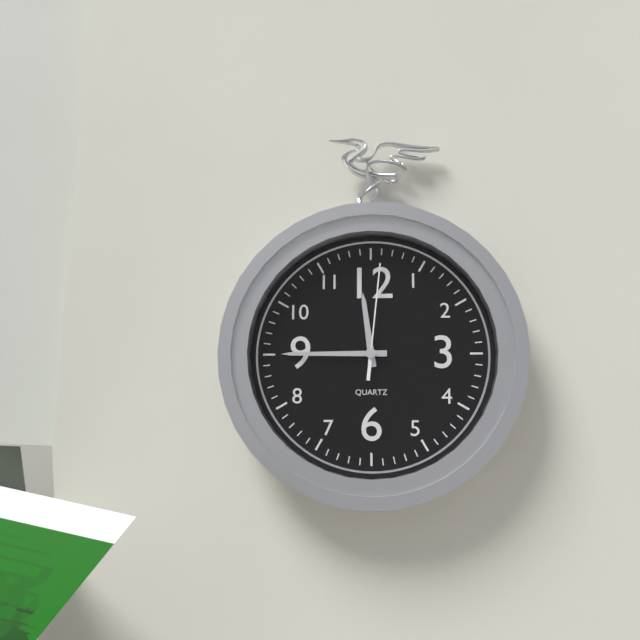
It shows 11h45m01s
